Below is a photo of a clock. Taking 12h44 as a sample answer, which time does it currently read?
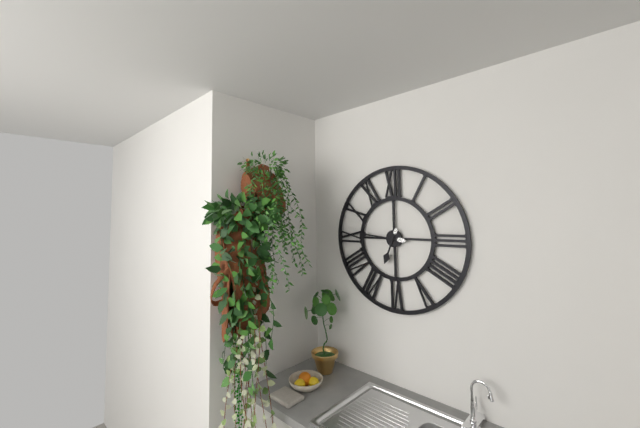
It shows 6h46
